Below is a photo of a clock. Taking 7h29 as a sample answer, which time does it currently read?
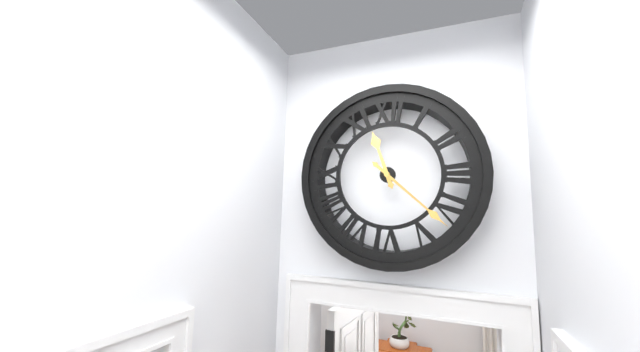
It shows 11h22
